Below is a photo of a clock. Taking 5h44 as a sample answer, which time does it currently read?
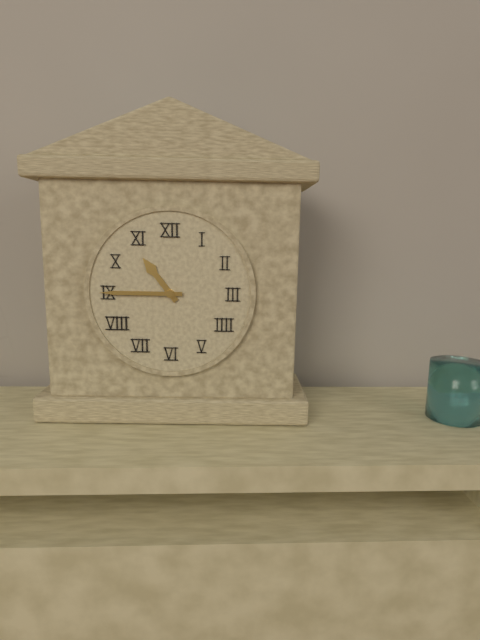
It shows 10h45
